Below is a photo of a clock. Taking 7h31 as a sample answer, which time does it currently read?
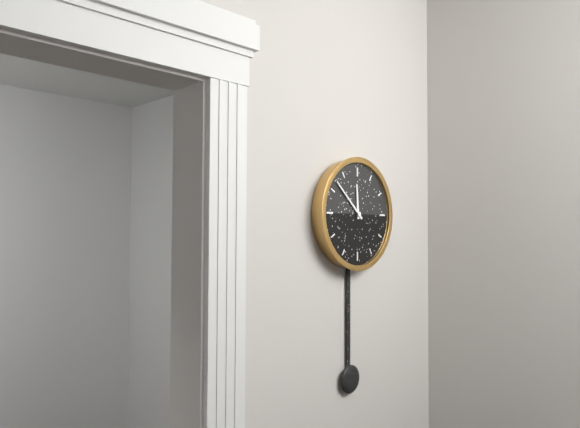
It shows 11h52
